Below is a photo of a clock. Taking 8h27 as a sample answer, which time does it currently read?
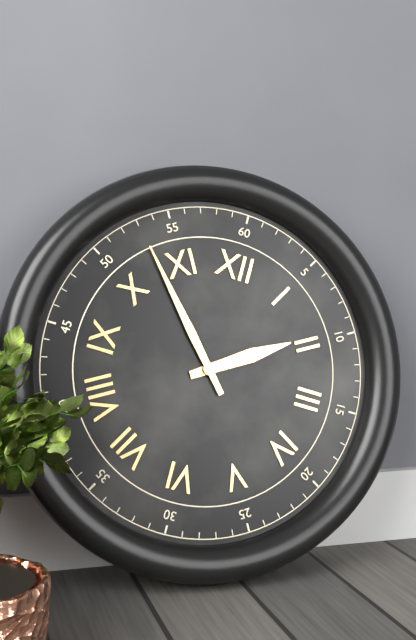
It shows 1h53
